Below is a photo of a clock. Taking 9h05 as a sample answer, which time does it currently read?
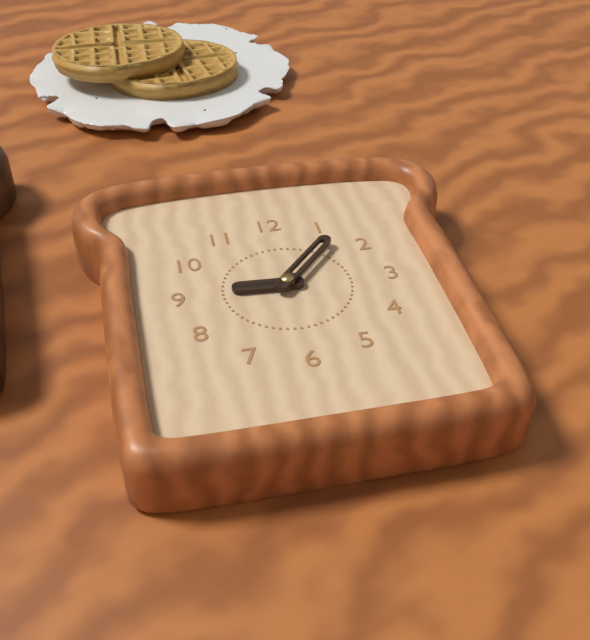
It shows 9h07
